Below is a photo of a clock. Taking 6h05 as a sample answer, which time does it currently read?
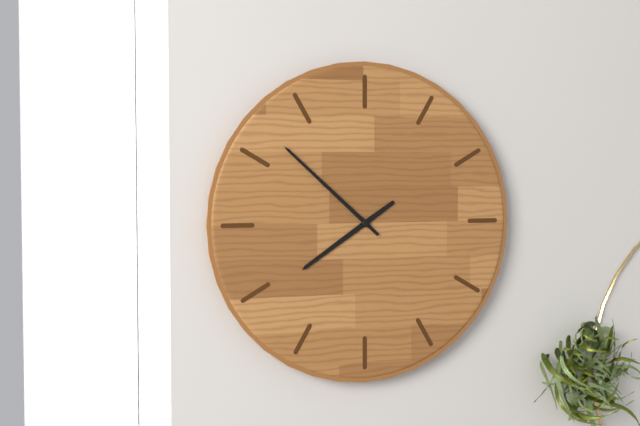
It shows 7h52
